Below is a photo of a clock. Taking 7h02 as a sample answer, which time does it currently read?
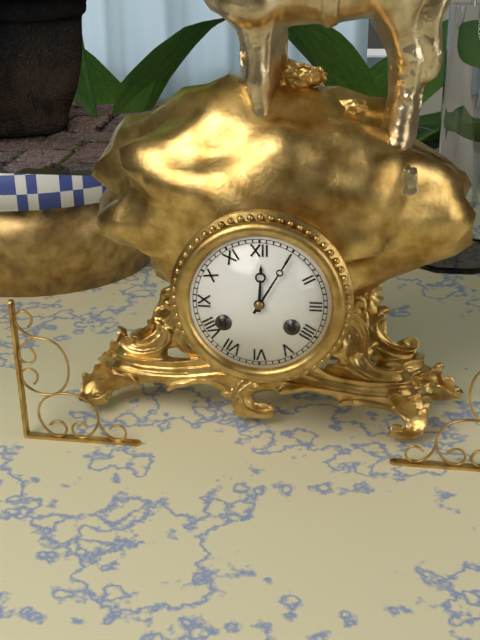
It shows 12h05
